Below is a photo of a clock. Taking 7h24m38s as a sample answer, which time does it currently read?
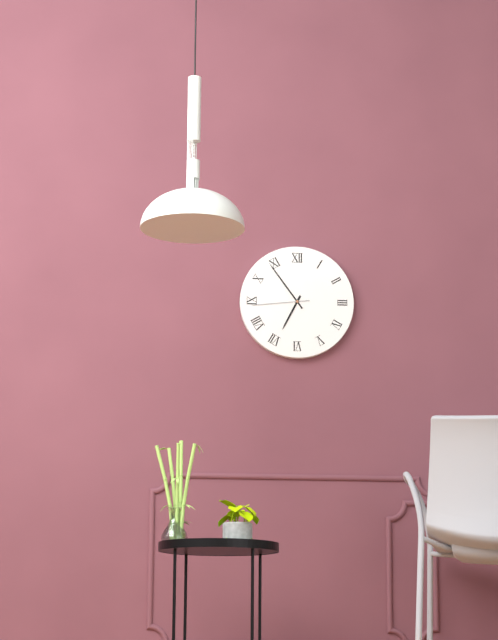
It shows 6h54m44s
